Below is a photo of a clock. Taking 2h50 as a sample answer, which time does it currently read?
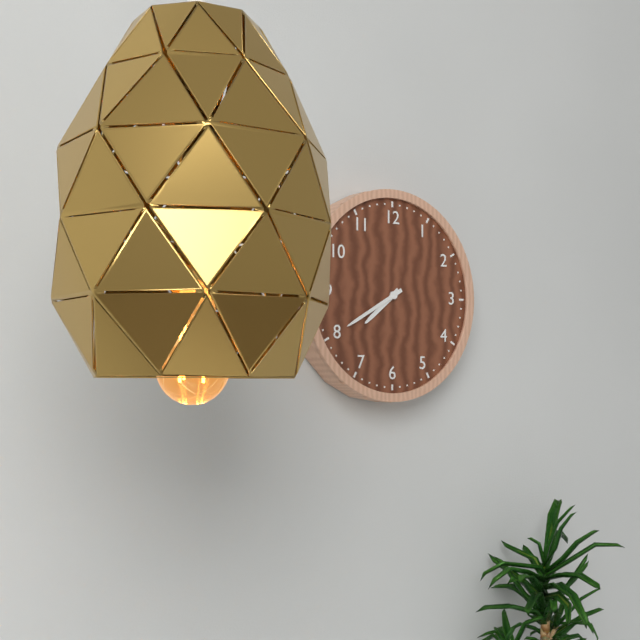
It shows 7h40
